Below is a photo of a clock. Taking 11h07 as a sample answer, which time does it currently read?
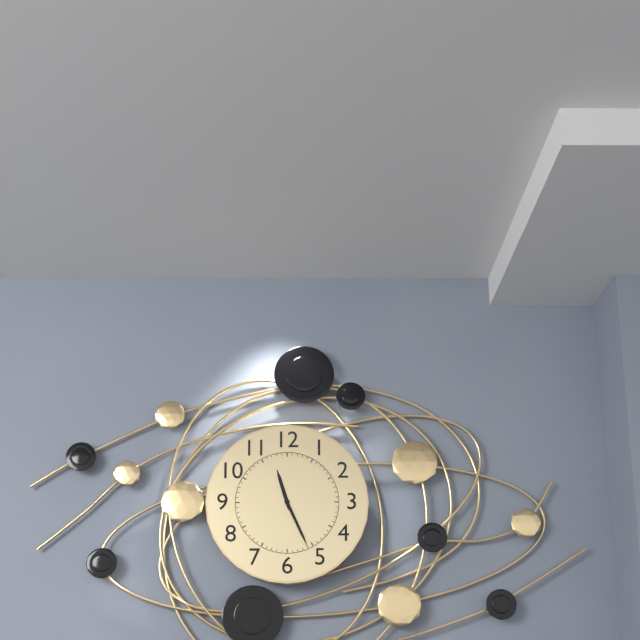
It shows 11h26
